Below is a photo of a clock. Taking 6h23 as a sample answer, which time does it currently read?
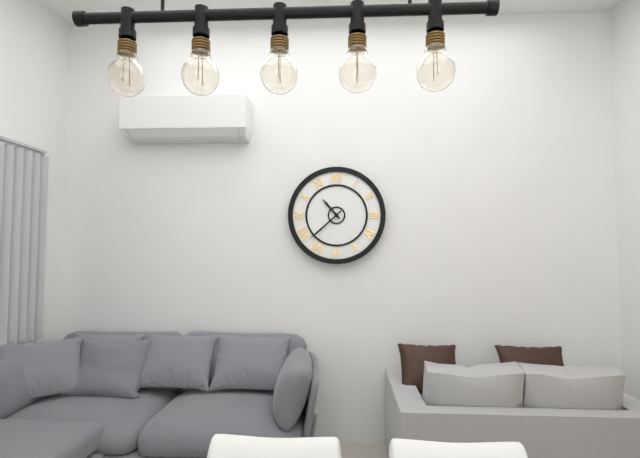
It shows 10h38
